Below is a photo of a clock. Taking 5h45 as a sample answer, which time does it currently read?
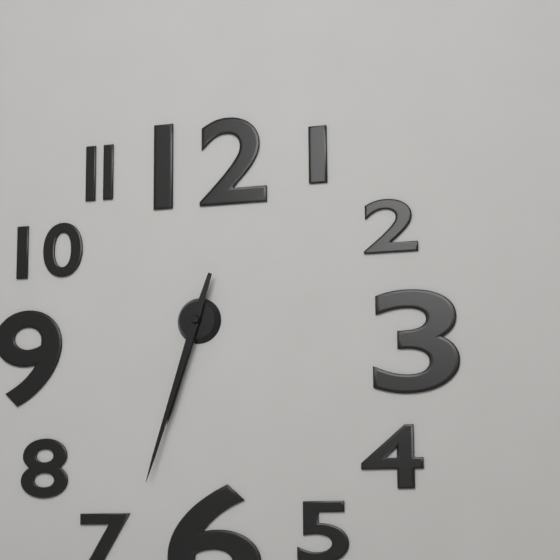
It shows 6h33
